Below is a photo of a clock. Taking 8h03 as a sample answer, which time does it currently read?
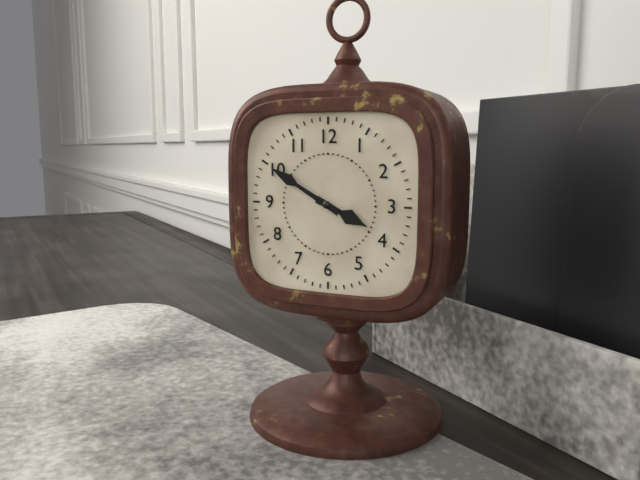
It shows 3h50
